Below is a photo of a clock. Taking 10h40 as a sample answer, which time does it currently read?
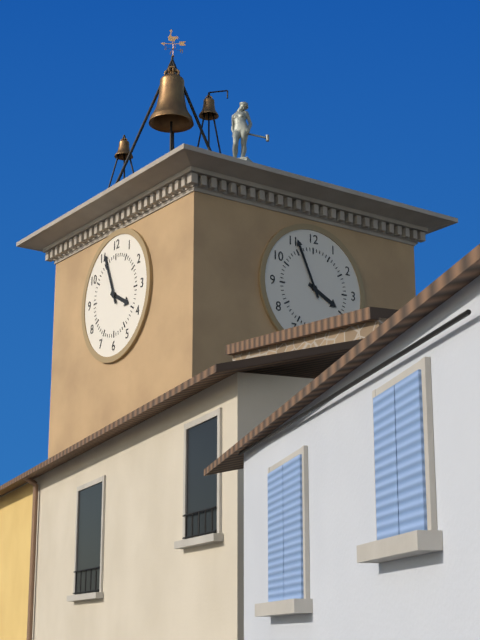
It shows 3h56
